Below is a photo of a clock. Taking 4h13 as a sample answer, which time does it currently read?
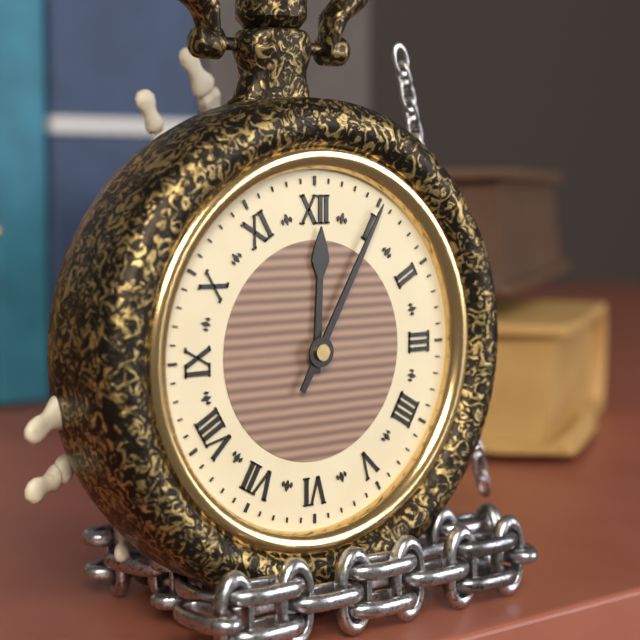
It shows 12h05
